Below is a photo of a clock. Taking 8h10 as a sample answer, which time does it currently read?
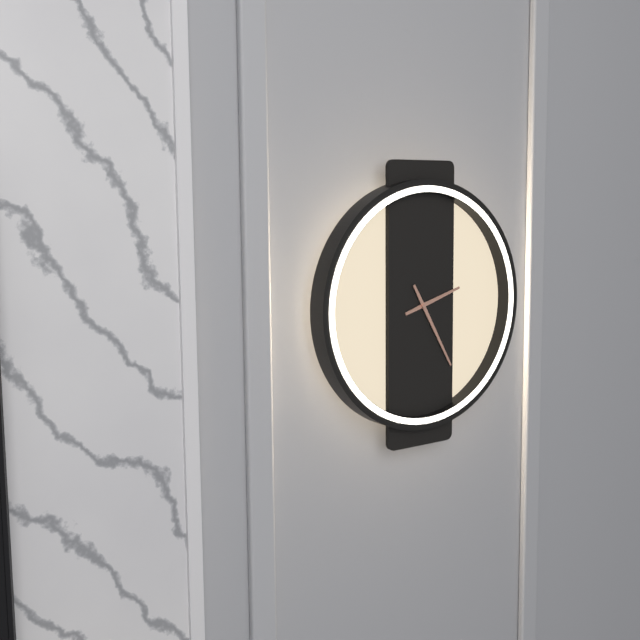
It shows 2h25
